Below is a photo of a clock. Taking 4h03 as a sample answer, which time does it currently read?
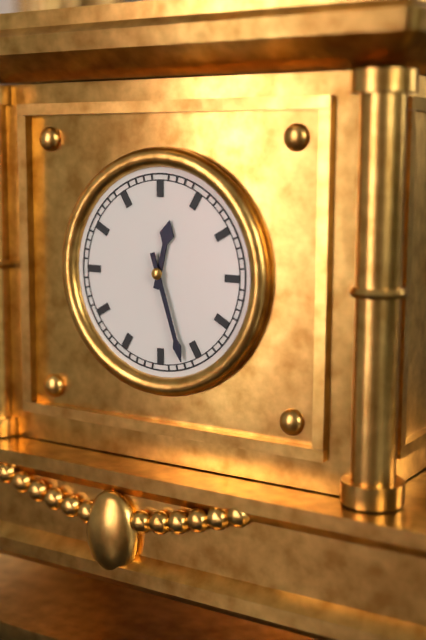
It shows 12h27
